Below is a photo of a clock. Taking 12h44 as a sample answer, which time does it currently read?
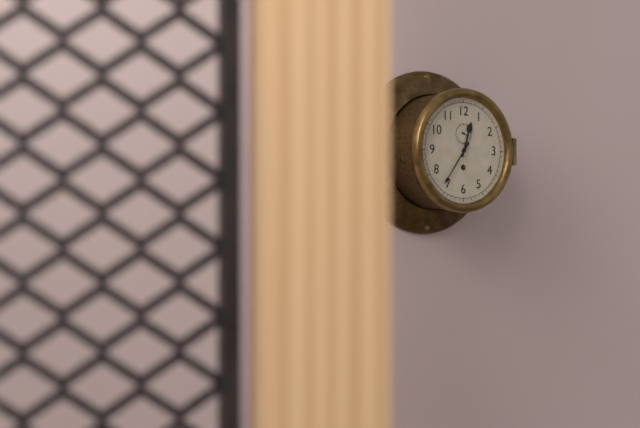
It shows 12h36
